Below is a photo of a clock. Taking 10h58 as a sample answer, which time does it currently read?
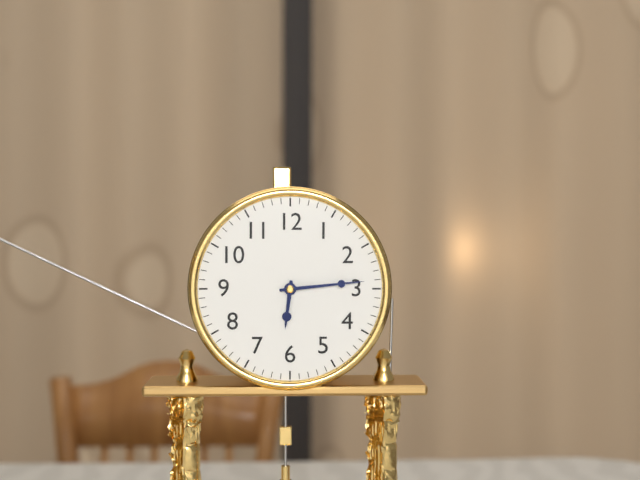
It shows 6h14
